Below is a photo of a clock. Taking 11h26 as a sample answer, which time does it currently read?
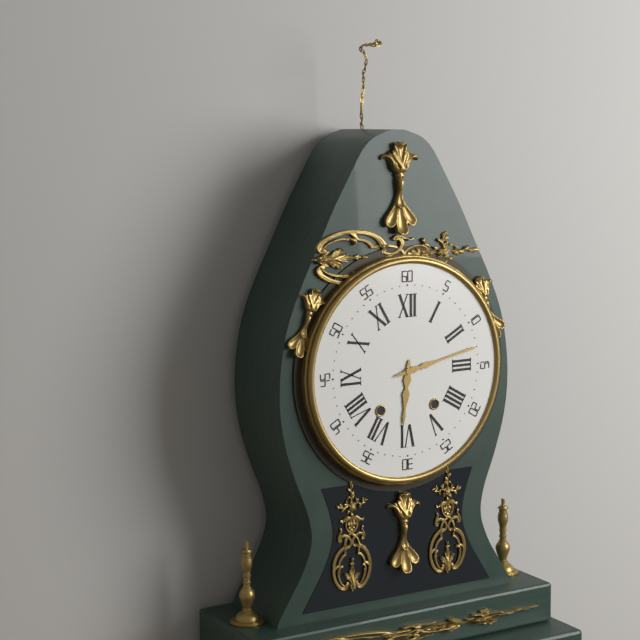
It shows 6h13
